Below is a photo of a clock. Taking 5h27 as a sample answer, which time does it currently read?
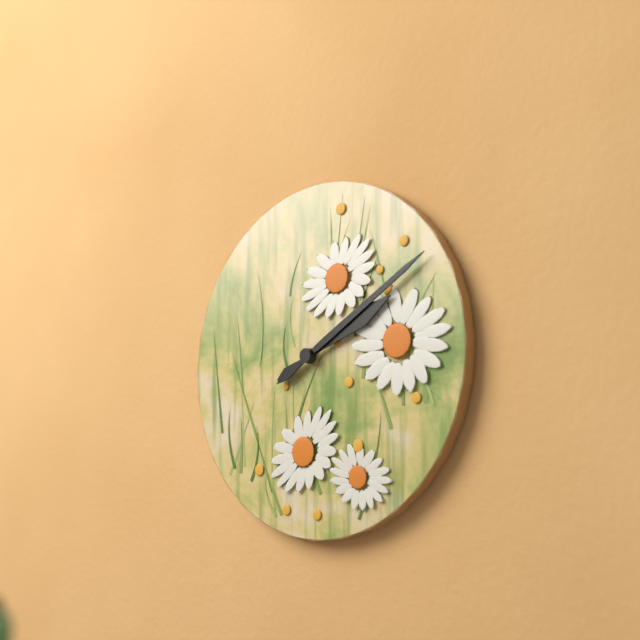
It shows 2h10
